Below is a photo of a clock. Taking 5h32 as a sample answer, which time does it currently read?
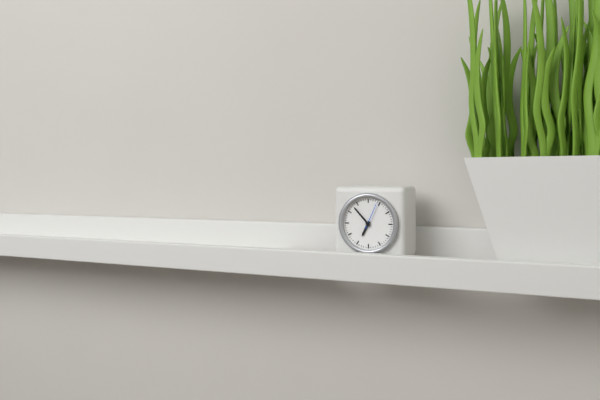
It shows 6h53
